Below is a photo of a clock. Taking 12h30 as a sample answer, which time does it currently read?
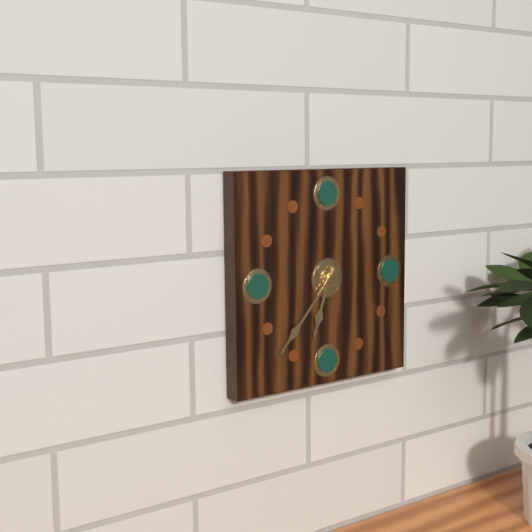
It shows 6h37
